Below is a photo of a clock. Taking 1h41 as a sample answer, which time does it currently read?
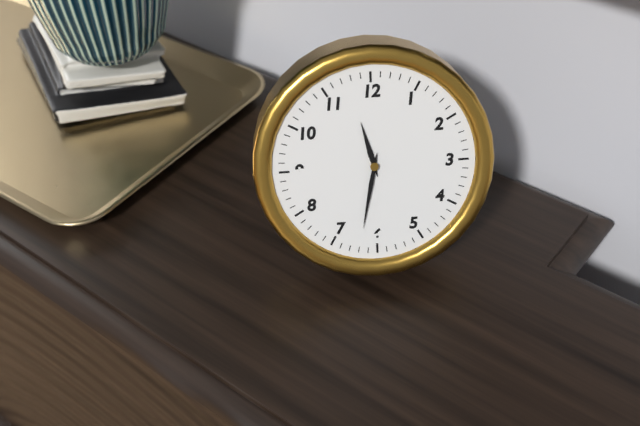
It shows 11h32
